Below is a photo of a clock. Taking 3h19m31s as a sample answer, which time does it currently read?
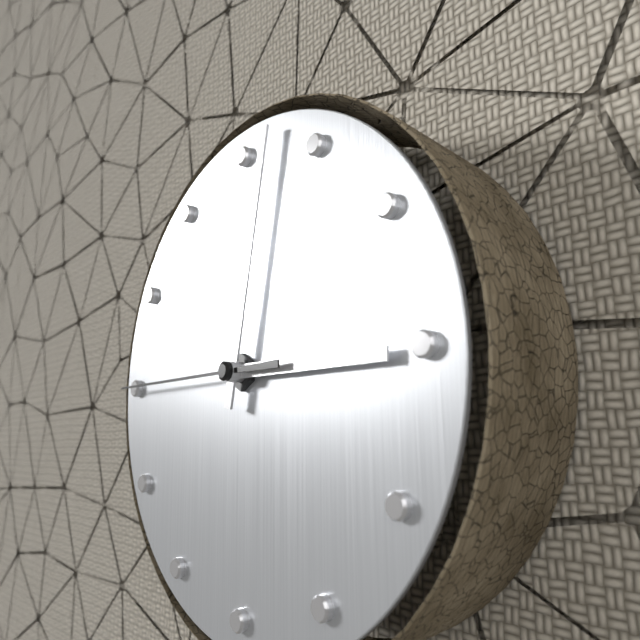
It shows 3h02m45s
